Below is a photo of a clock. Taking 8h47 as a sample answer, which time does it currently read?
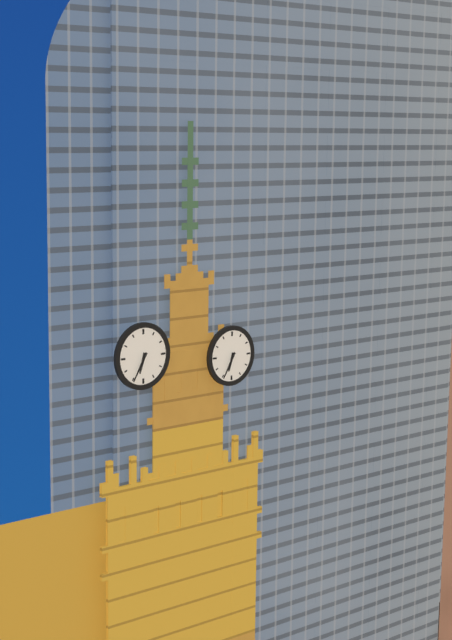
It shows 6h35
